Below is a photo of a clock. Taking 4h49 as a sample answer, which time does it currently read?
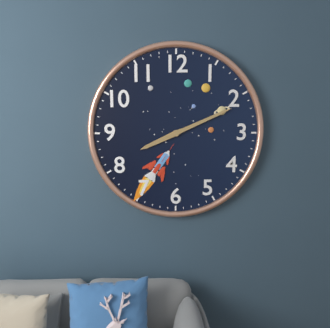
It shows 8h11
